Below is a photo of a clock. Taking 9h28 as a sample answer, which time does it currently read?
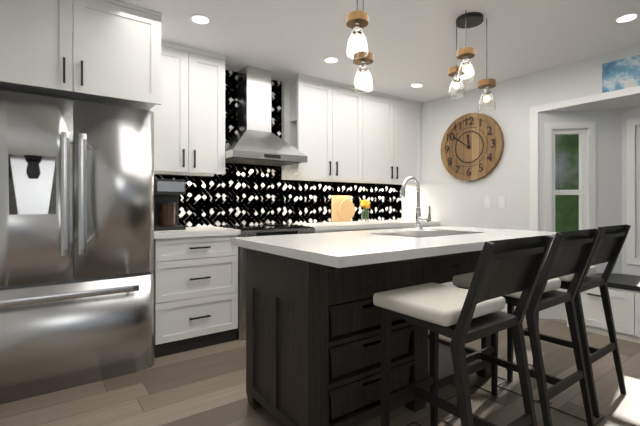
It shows 11h51
